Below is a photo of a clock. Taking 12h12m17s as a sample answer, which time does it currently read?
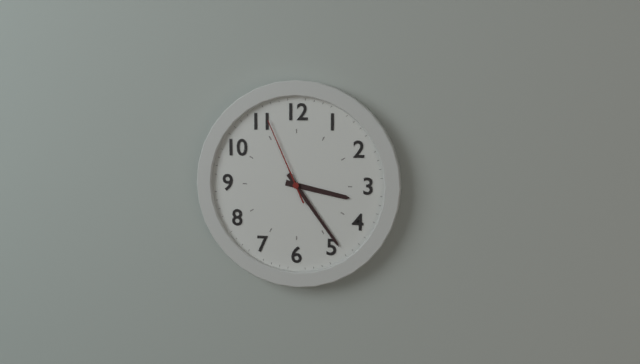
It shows 3h24m56s
